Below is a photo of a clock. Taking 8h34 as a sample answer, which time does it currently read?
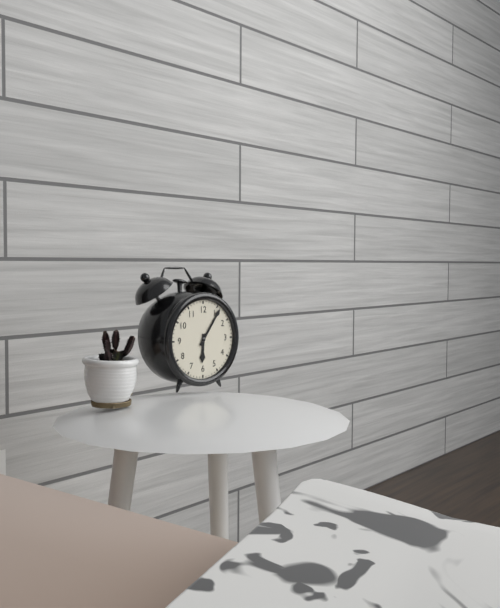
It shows 6h06
